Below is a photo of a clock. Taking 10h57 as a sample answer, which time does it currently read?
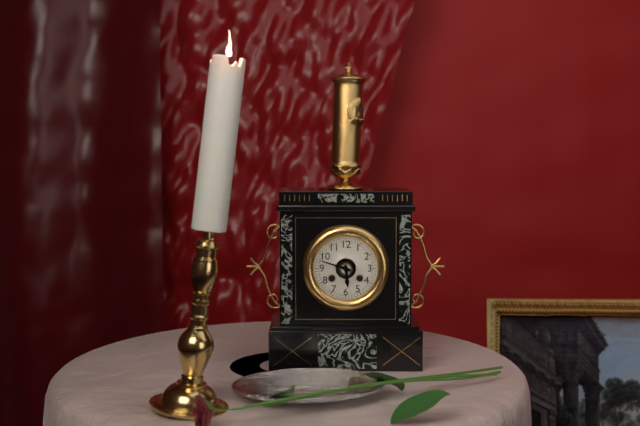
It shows 5h48
